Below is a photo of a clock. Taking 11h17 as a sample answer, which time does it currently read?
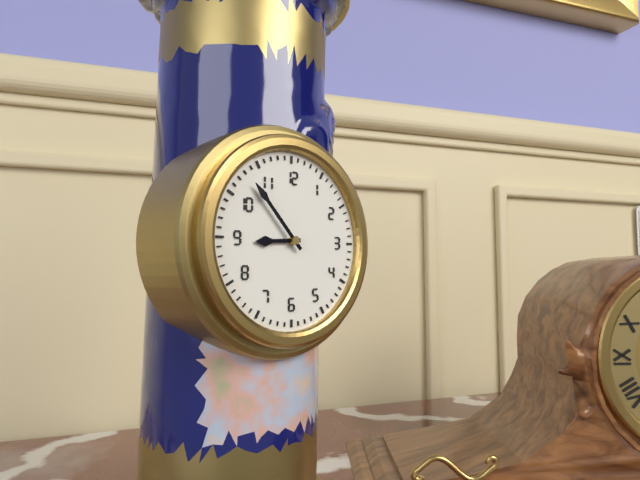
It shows 8h53
